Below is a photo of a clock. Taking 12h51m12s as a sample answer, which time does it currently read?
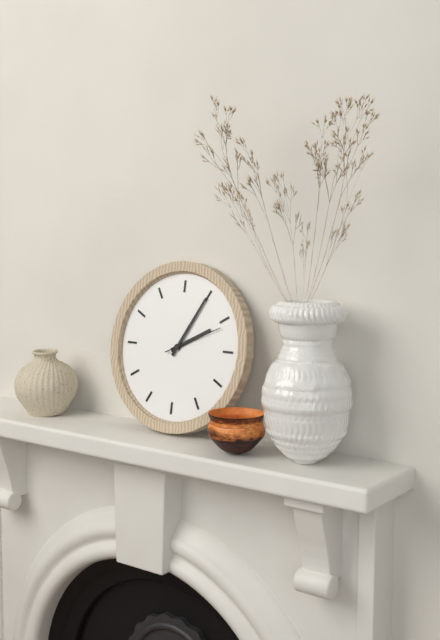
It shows 2h05m11s
